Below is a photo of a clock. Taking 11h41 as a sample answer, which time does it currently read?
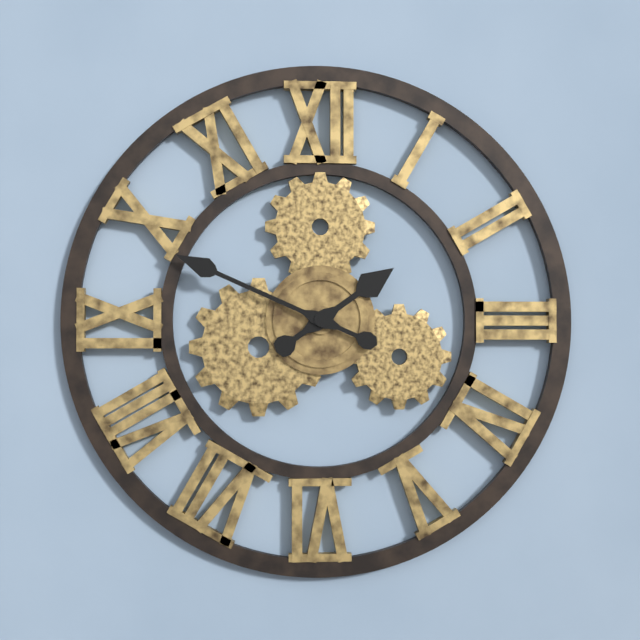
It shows 1h49
